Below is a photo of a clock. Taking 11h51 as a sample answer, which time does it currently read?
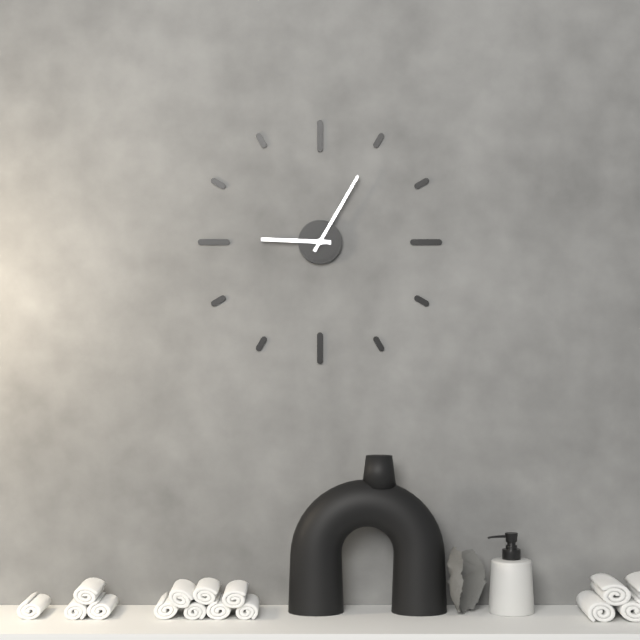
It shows 9h05
